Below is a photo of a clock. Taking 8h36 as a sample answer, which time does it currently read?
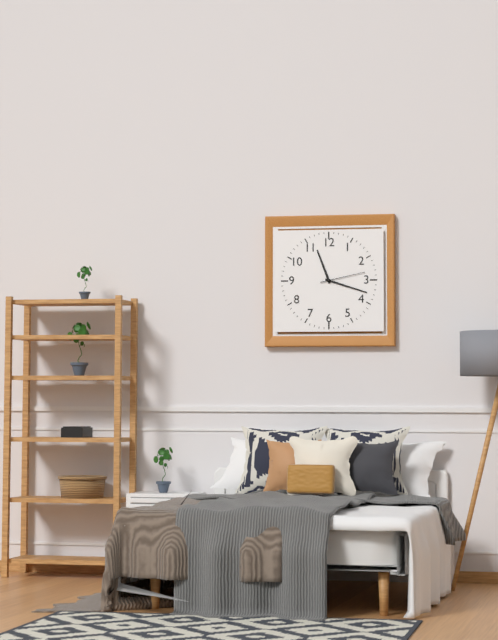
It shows 11h18
